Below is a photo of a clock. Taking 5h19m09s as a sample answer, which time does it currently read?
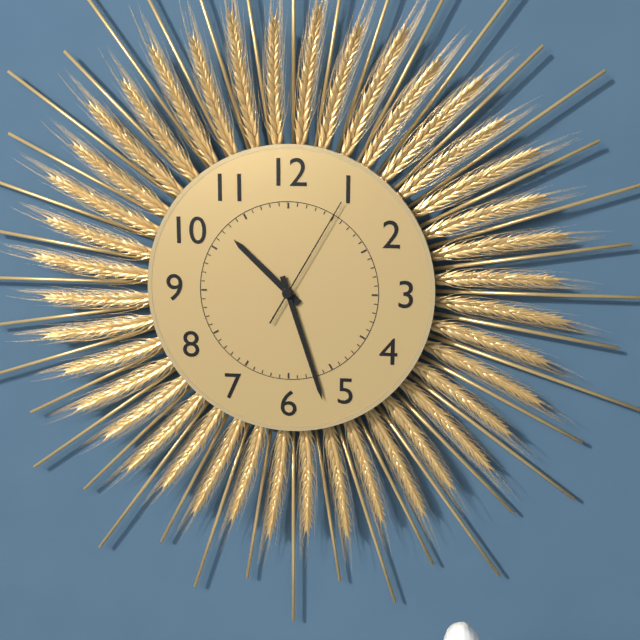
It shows 10h27m05s
